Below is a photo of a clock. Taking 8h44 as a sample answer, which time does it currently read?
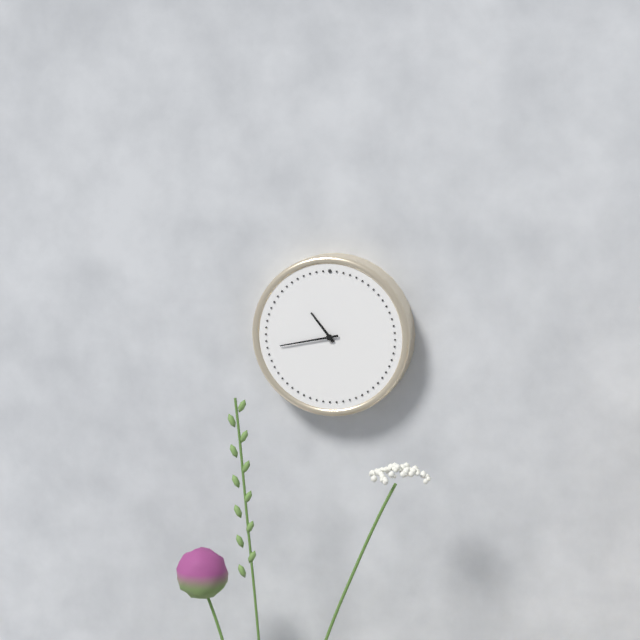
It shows 10h43
